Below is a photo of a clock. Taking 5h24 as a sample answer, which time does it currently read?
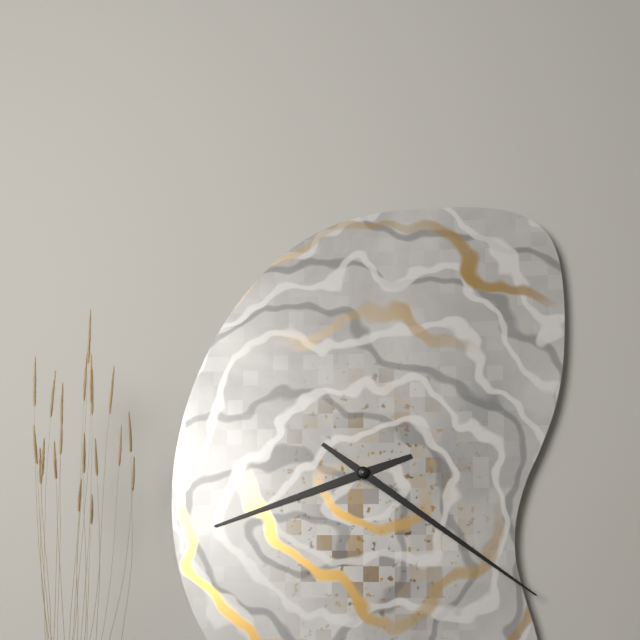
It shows 8h21
